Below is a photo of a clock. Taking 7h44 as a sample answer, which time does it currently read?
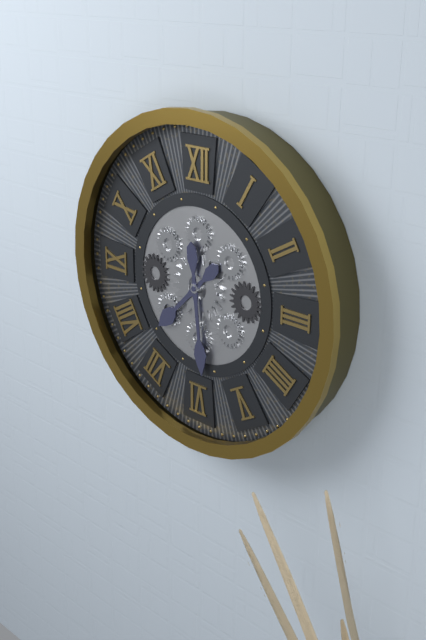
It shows 7h29
